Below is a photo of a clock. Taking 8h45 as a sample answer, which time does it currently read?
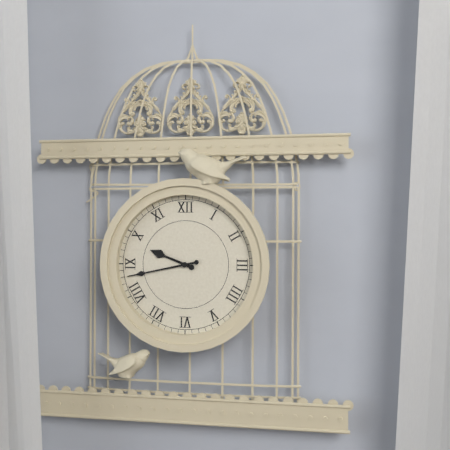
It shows 9h43
